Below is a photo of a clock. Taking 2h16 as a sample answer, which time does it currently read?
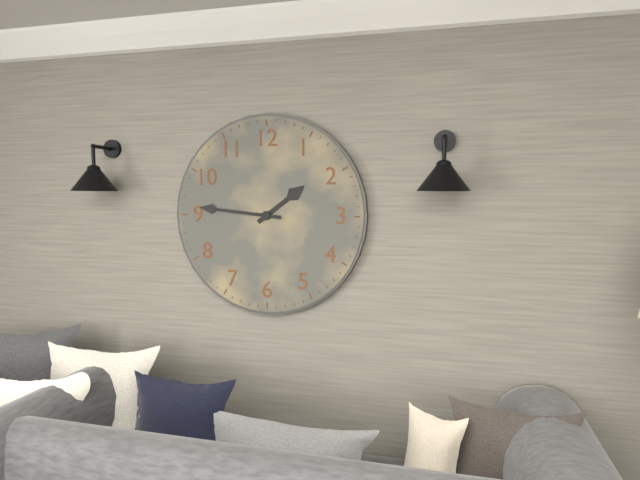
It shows 1h46
